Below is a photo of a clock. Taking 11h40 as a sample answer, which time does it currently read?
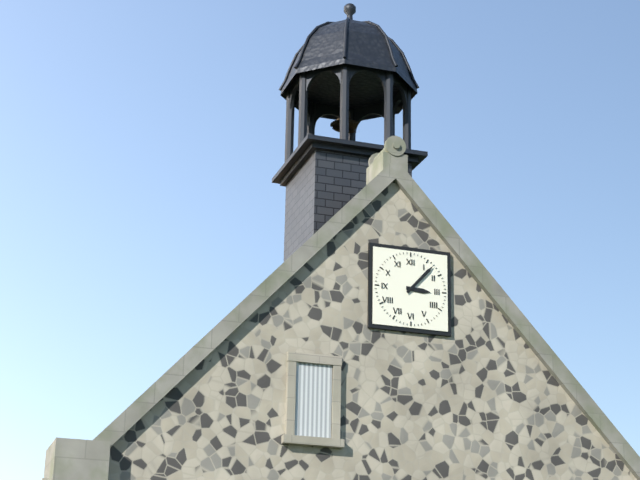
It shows 3h07
